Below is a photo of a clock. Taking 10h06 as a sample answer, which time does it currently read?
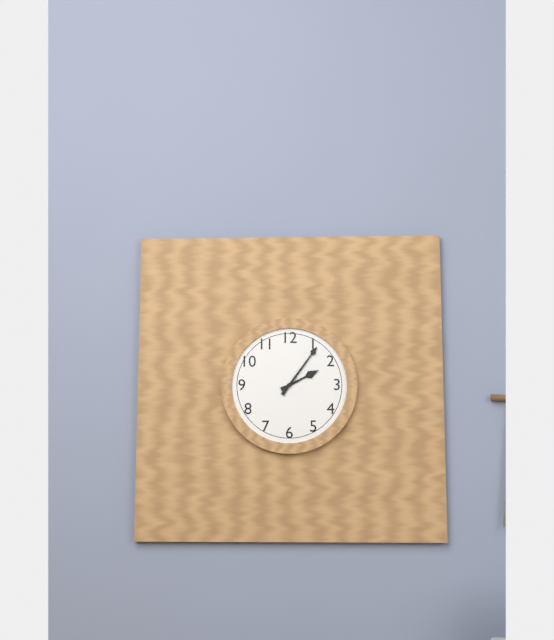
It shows 2h06
